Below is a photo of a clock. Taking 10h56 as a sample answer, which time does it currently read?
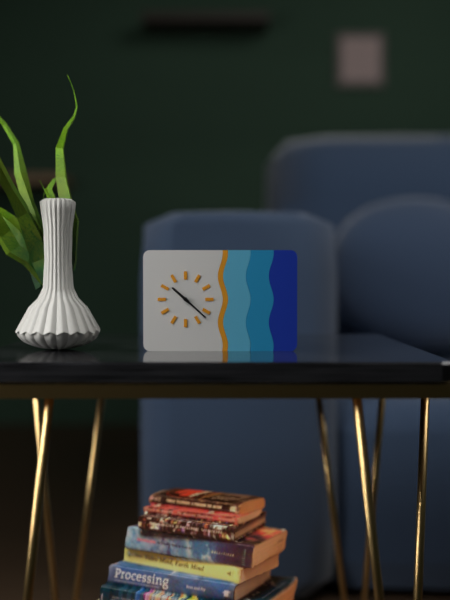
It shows 10h22
